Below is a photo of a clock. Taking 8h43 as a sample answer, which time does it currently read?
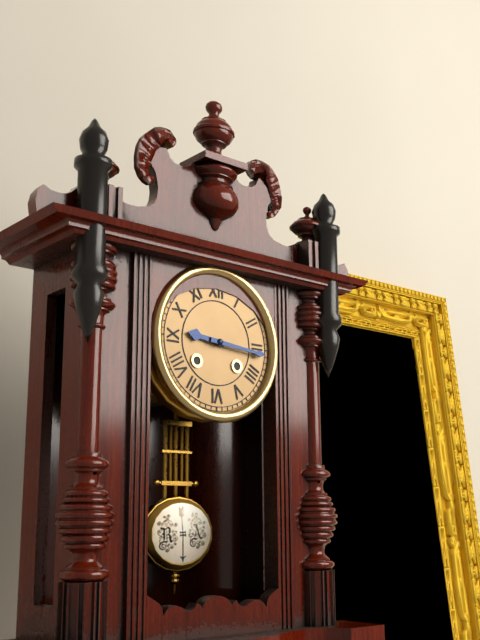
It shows 9h16
